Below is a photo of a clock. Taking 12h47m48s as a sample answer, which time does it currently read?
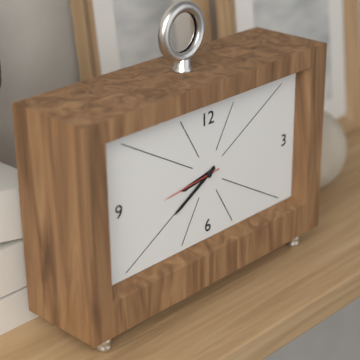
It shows 8h40m44s
